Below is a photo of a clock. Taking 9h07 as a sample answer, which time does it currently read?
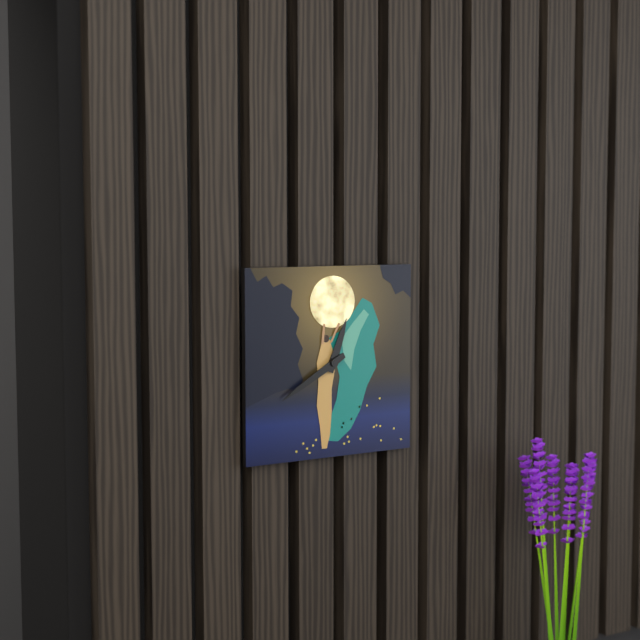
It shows 12h40
